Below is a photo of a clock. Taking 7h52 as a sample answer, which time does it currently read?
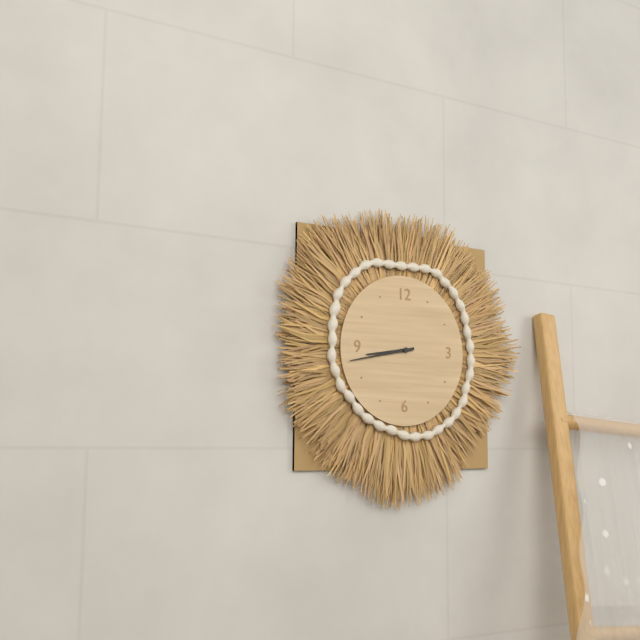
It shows 8h43
